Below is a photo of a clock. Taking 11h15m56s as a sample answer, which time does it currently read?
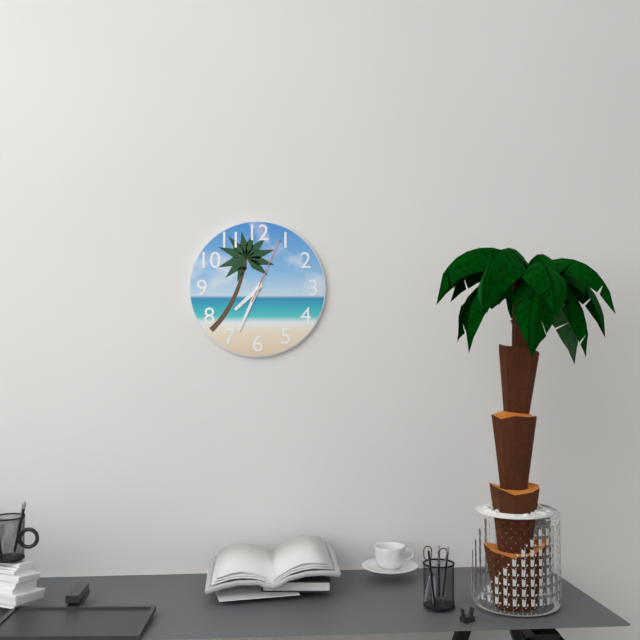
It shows 7h34m04s
